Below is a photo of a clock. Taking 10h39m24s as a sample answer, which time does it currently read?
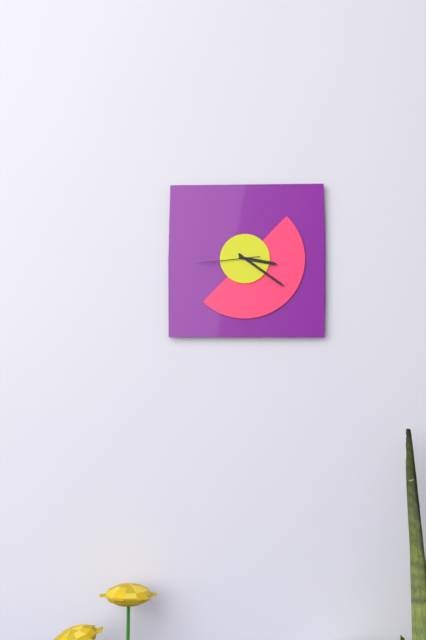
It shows 3h21m44s
